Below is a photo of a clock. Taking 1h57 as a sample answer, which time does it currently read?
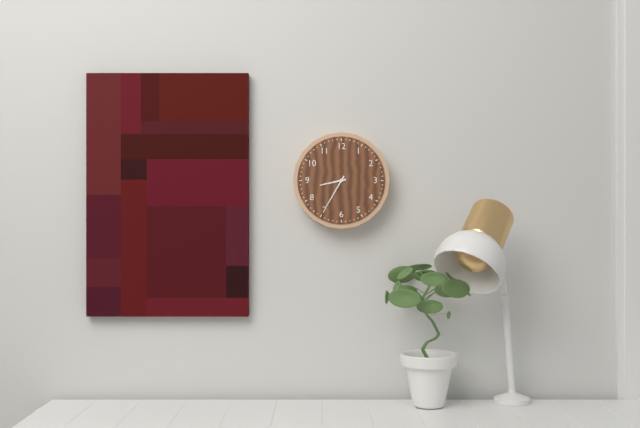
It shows 8h35
